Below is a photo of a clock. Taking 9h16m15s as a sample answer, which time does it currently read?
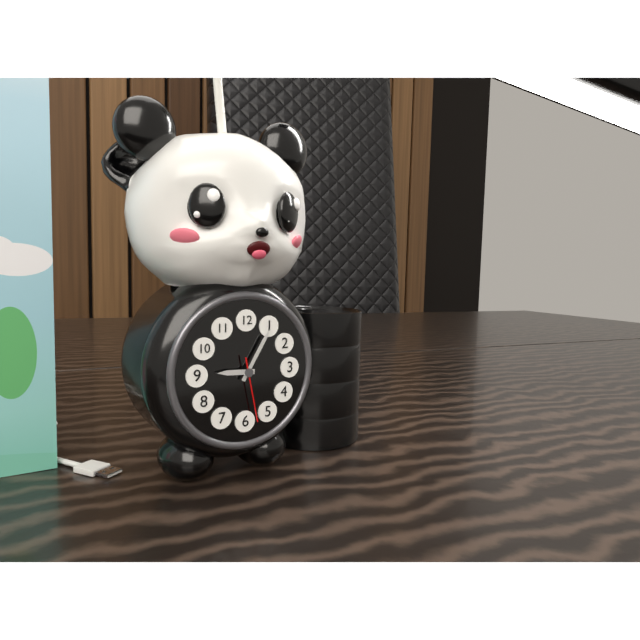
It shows 9h05m28s
